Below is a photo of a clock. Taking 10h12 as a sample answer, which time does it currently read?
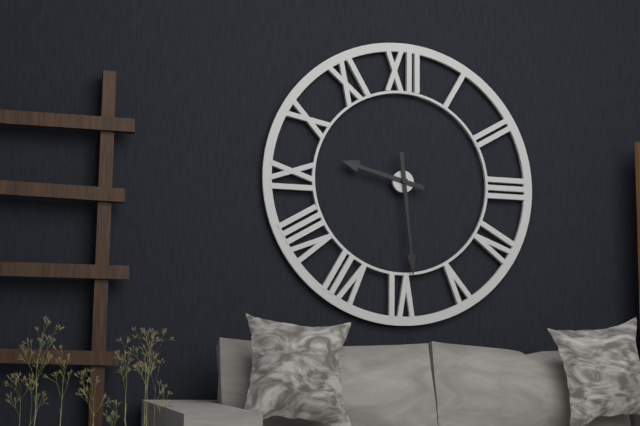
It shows 9h29
